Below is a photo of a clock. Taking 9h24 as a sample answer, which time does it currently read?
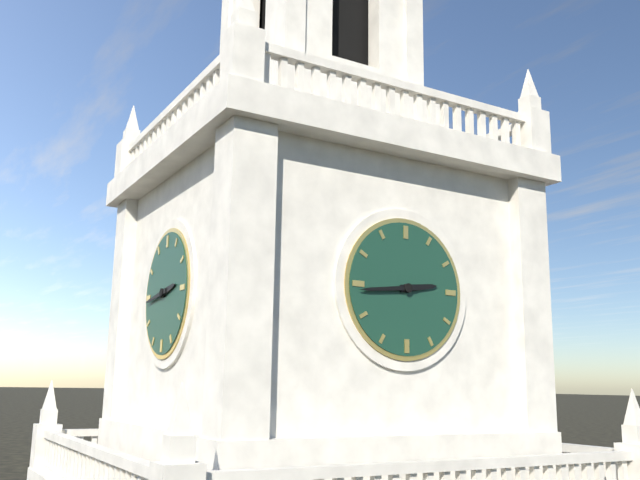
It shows 2h44
